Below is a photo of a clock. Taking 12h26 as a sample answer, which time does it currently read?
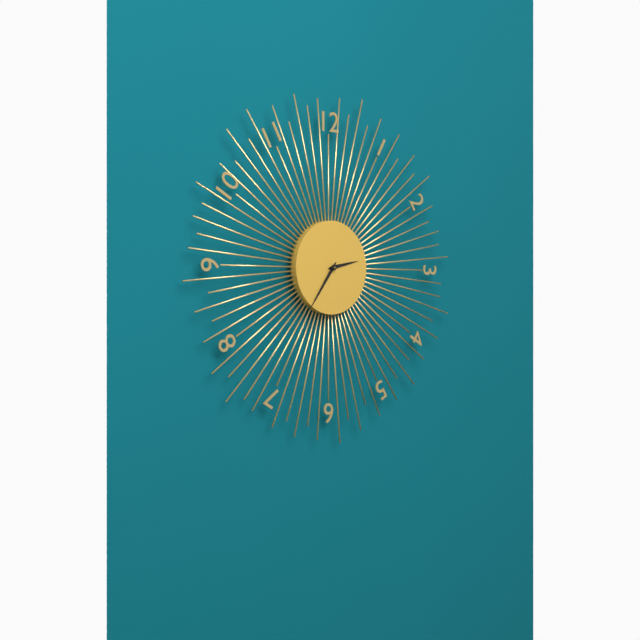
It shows 2h36
